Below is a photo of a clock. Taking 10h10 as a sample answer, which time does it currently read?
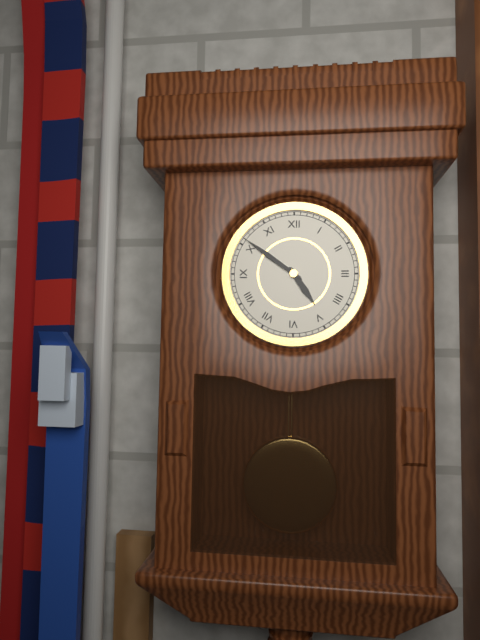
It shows 4h51
